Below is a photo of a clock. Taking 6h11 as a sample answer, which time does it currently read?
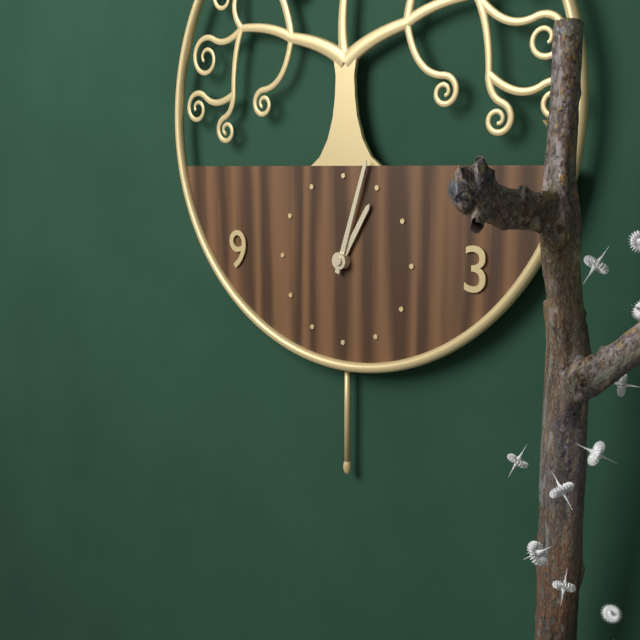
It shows 1h03
